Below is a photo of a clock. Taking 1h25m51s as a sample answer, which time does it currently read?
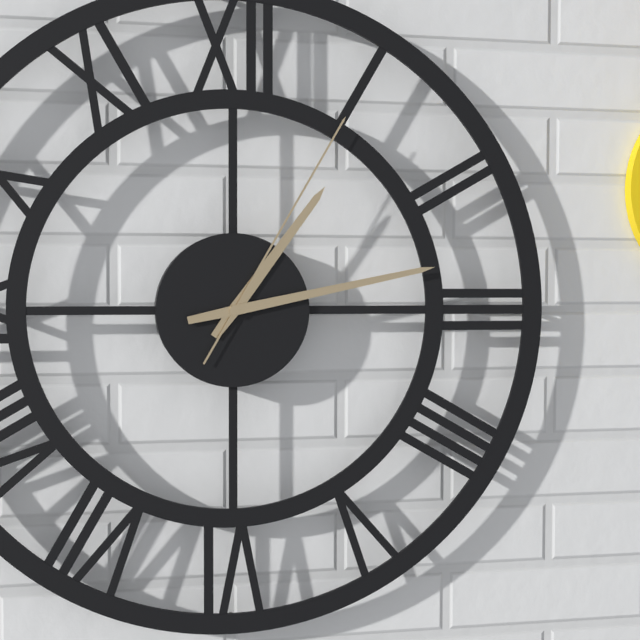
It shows 1h13m05s
